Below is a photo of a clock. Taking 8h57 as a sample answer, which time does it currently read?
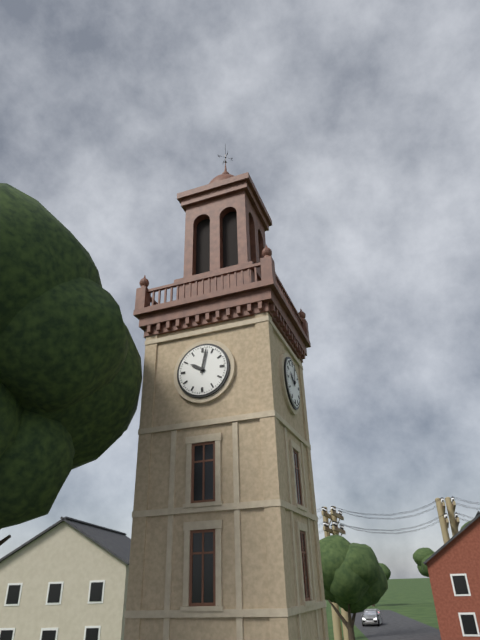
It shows 10h02
